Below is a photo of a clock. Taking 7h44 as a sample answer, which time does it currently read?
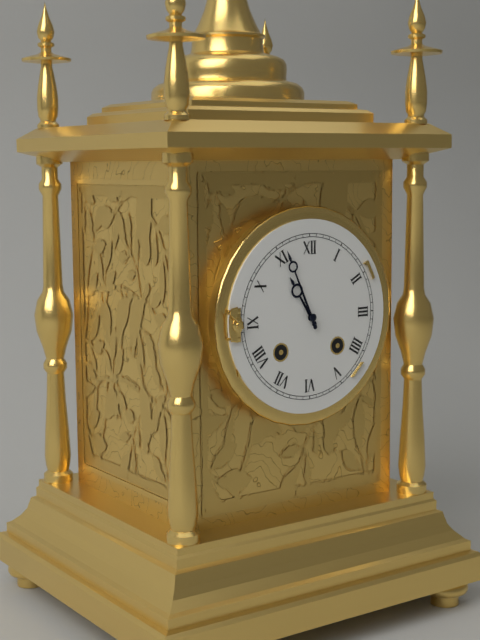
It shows 10h56
